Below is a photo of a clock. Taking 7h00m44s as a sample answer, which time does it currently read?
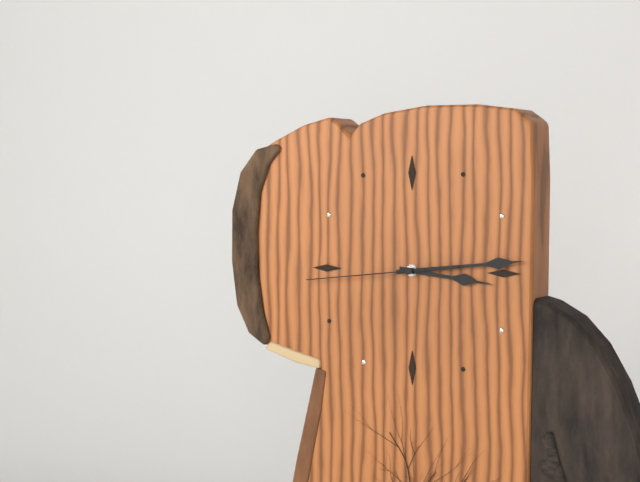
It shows 3h14m44s
